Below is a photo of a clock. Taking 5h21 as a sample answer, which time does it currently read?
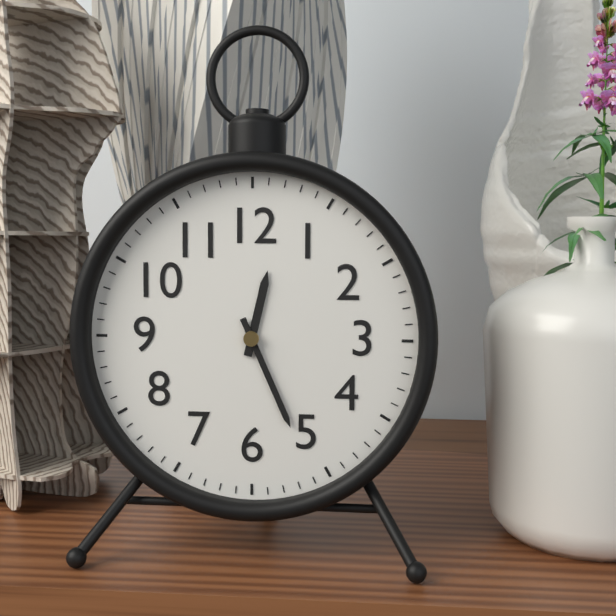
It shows 12h26
